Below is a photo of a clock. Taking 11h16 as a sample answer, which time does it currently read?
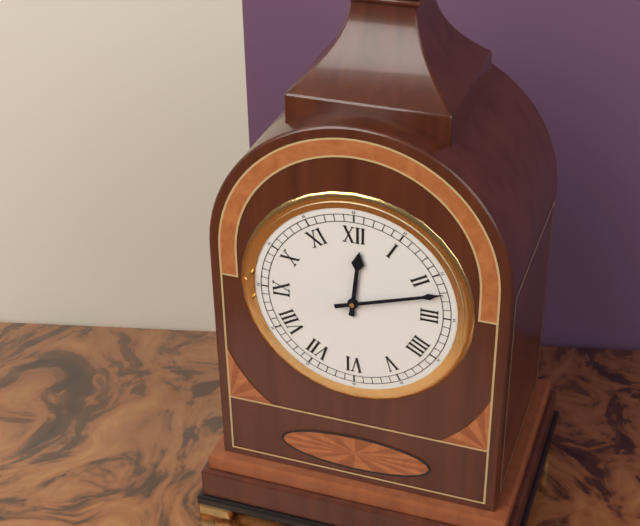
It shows 12h12
